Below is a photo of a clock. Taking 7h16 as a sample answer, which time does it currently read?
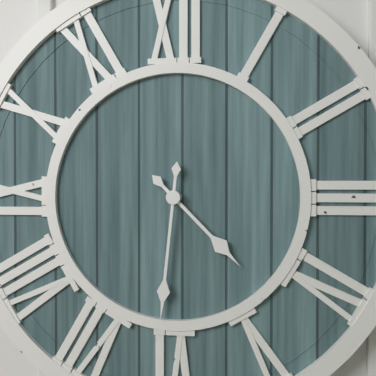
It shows 4h31
